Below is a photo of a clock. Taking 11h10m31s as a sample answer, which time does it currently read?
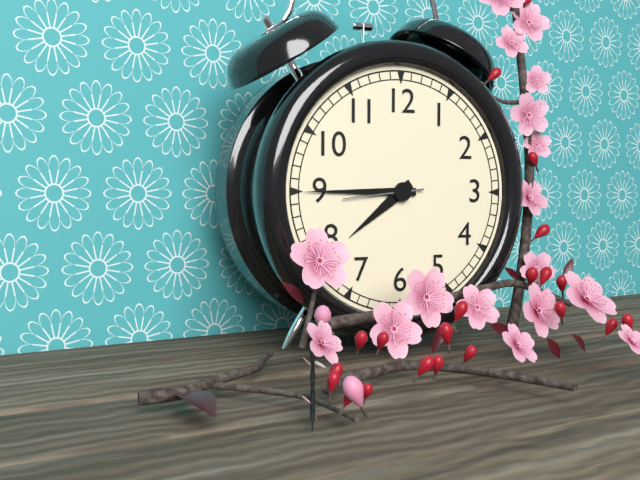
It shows 7h45m44s
